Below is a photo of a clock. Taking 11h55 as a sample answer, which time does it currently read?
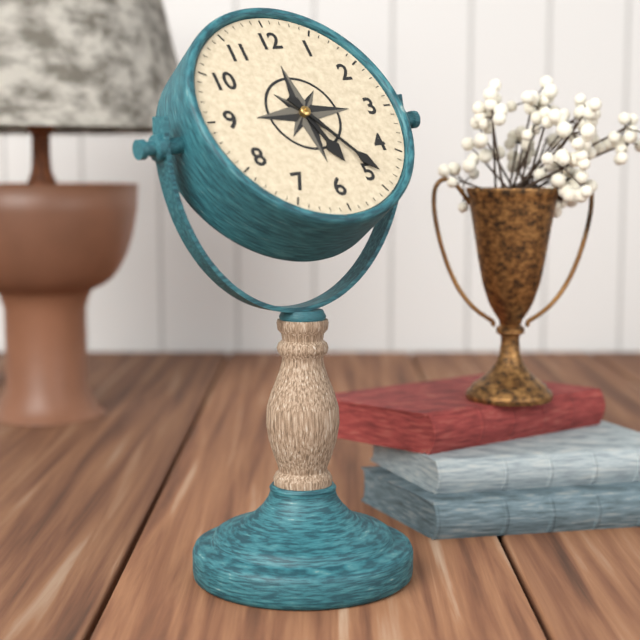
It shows 5h24
